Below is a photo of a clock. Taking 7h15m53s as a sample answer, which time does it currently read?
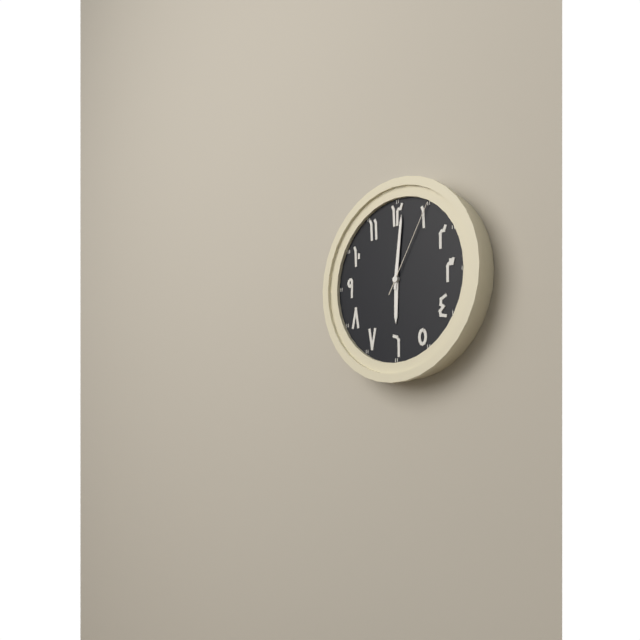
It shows 6h01m05s
